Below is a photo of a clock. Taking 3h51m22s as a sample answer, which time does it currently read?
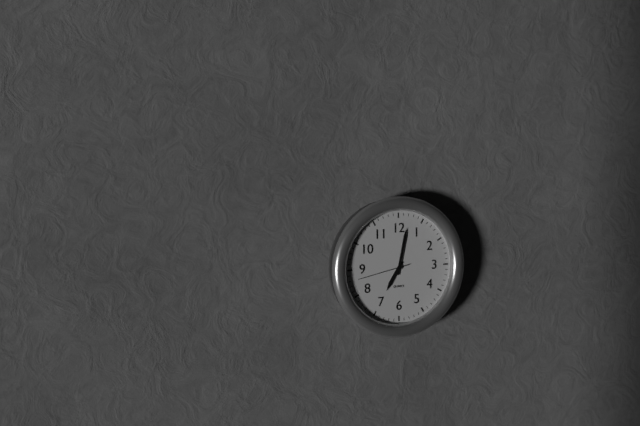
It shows 7h02m43s
